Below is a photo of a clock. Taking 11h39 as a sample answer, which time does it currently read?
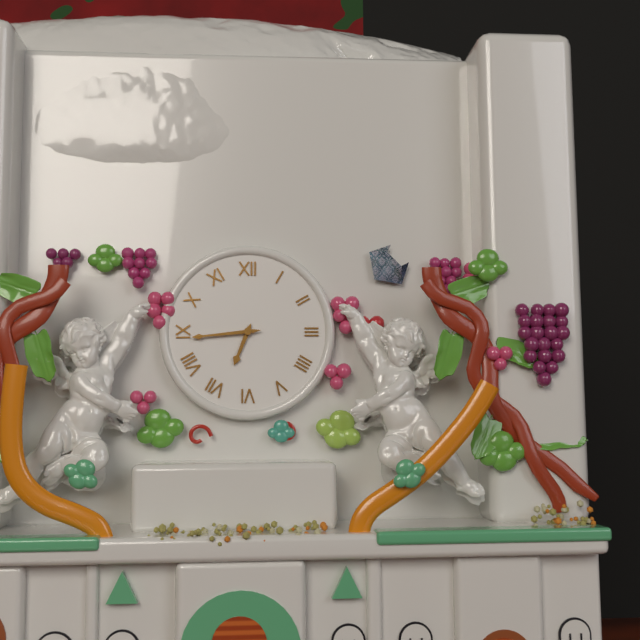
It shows 6h44
